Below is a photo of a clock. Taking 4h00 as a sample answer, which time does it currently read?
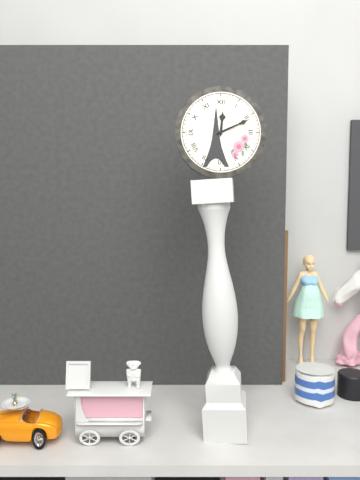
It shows 12h11
